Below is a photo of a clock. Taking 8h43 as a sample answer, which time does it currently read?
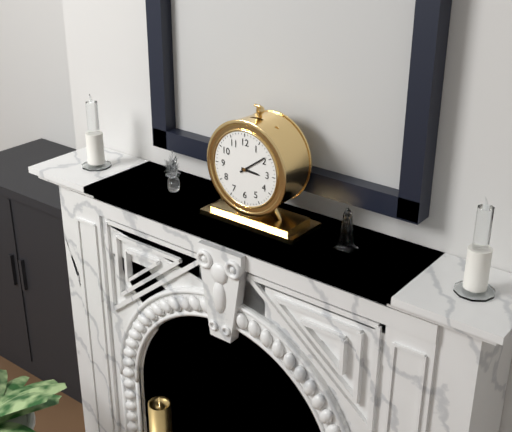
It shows 3h09
